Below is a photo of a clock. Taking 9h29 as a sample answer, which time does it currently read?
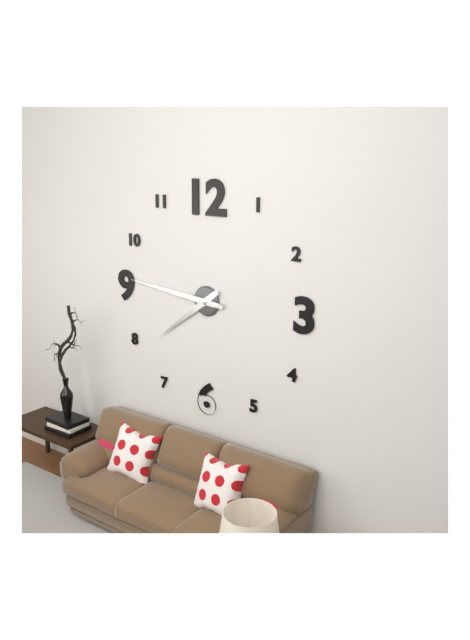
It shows 7h46
